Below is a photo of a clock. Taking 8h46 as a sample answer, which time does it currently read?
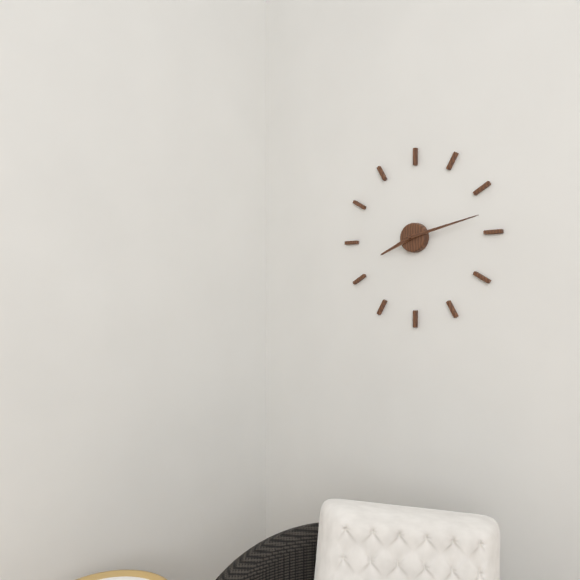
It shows 8h13
